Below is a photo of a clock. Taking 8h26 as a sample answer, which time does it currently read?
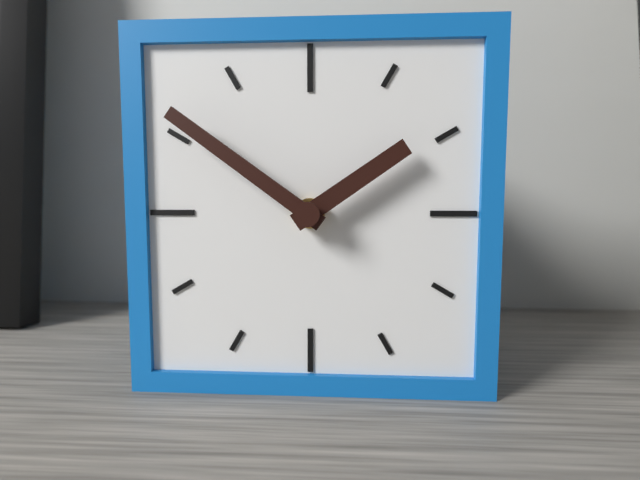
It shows 1h51
